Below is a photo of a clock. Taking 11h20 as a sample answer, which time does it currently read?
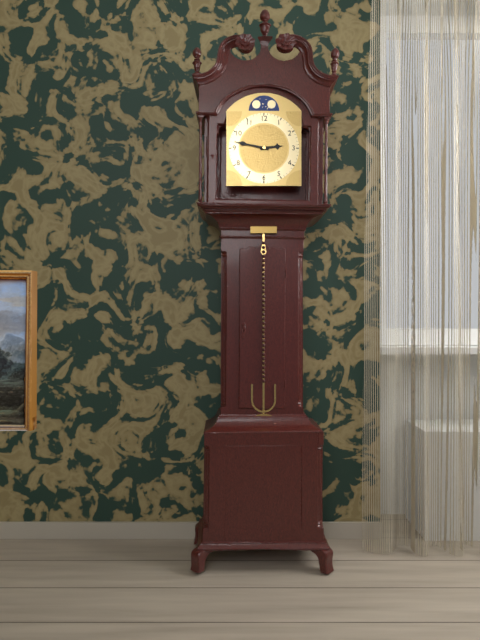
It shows 2h47
